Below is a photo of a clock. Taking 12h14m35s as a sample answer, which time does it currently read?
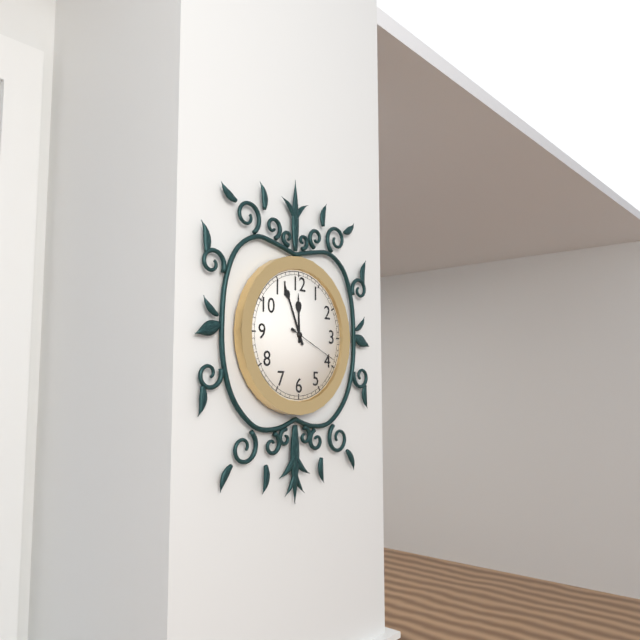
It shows 11h56m19s
